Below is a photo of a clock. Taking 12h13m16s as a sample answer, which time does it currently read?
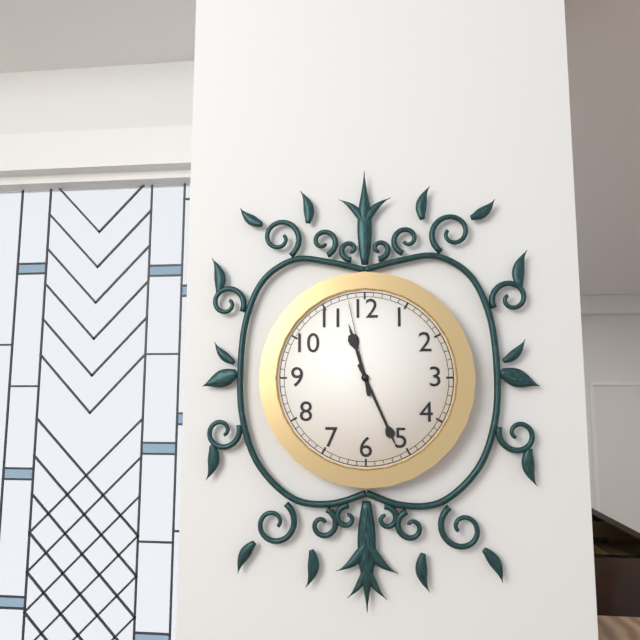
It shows 11h26m58s
